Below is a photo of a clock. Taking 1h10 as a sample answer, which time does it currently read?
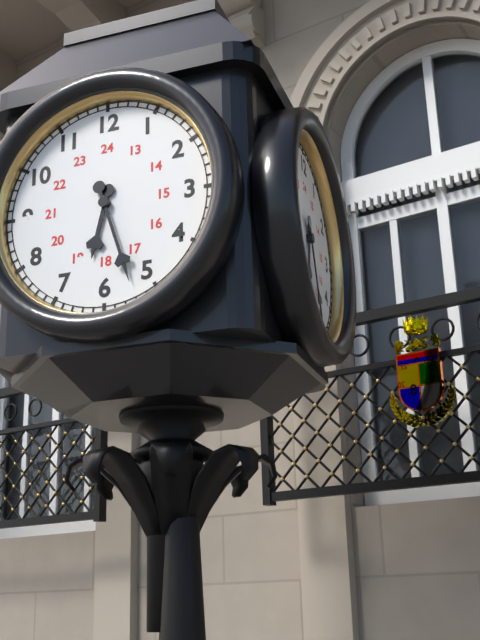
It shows 6h27
